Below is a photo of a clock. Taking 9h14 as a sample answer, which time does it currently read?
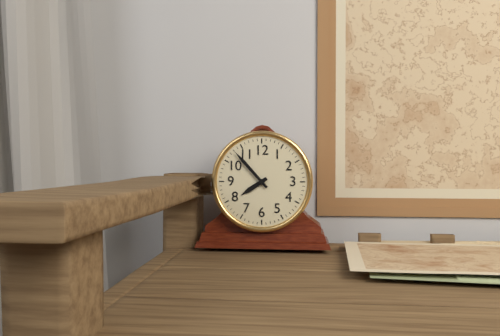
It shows 7h53
